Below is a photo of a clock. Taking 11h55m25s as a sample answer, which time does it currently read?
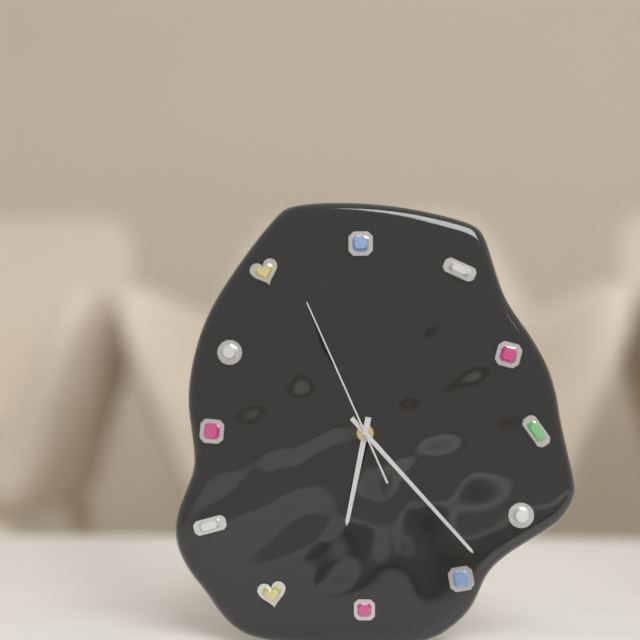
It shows 6h23m56s
